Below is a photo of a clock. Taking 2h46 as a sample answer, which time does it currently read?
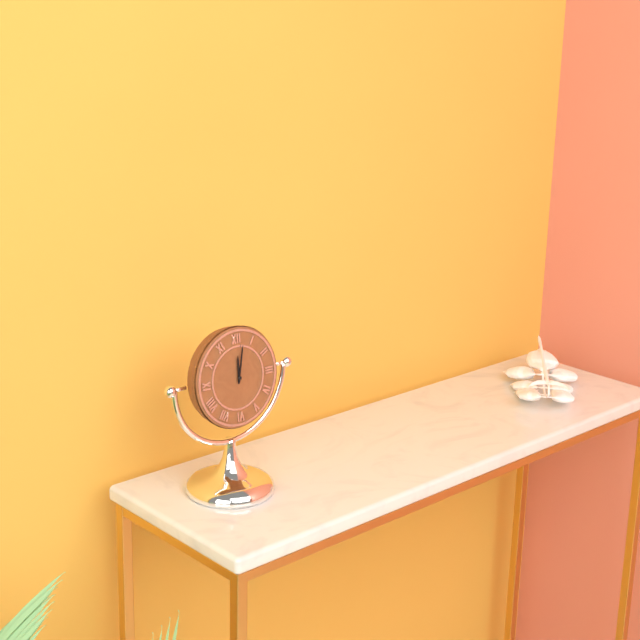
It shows 12h02
